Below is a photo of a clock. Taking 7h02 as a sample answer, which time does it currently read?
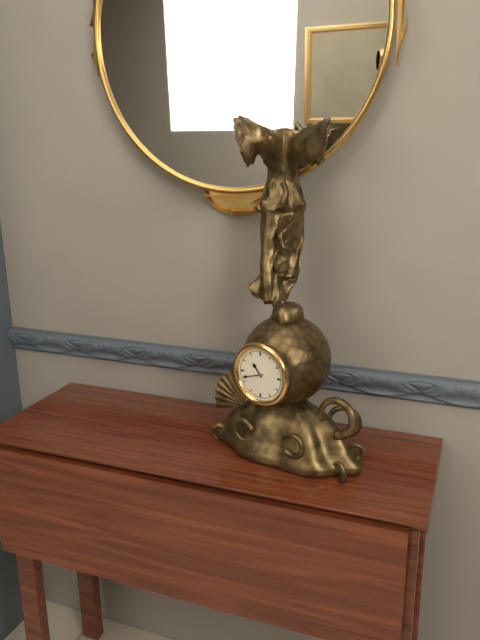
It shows 10h42
